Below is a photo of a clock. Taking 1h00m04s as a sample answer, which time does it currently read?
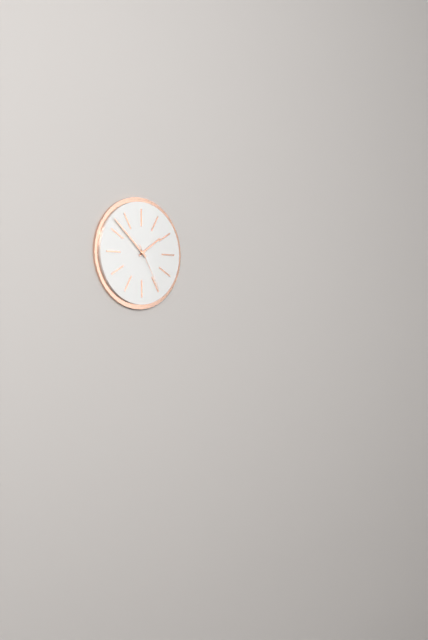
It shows 1h52m25s
